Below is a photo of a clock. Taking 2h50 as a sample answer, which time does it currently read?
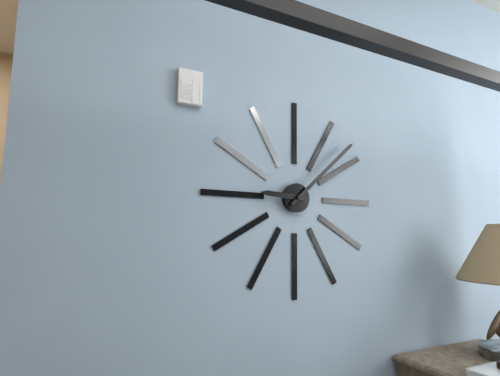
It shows 9h08
